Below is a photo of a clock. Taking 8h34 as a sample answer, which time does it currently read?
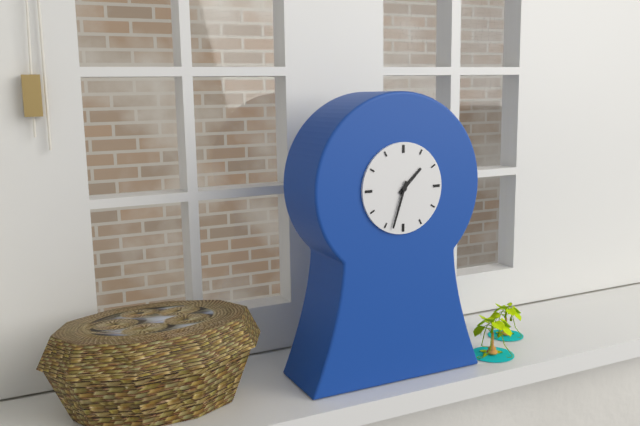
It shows 1h33
